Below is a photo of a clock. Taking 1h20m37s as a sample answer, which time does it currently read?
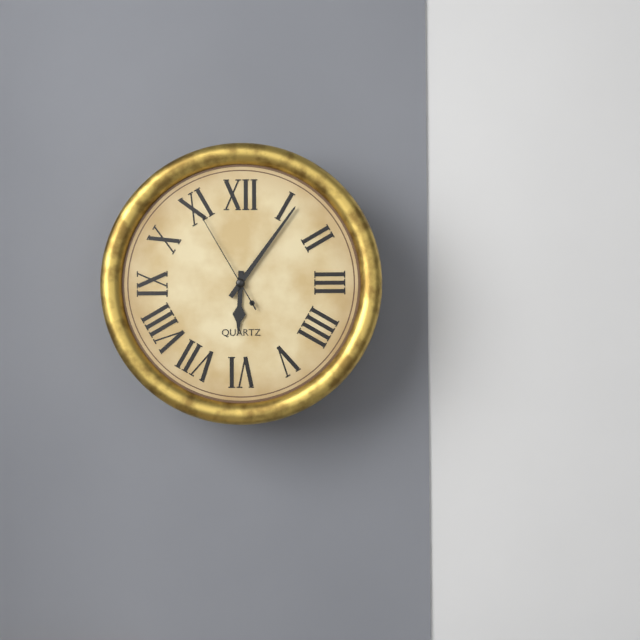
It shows 6h06m55s
